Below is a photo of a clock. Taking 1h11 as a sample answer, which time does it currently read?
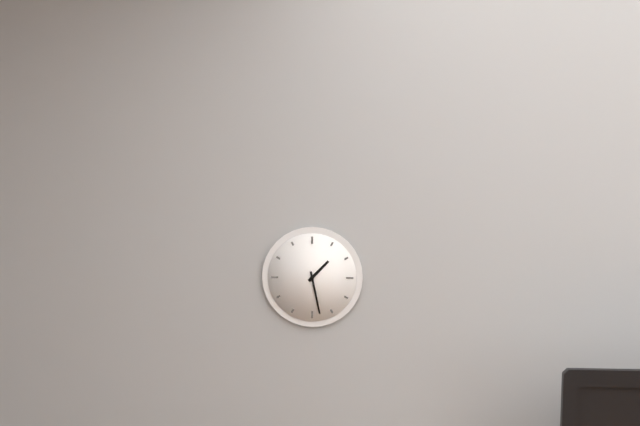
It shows 1h28
